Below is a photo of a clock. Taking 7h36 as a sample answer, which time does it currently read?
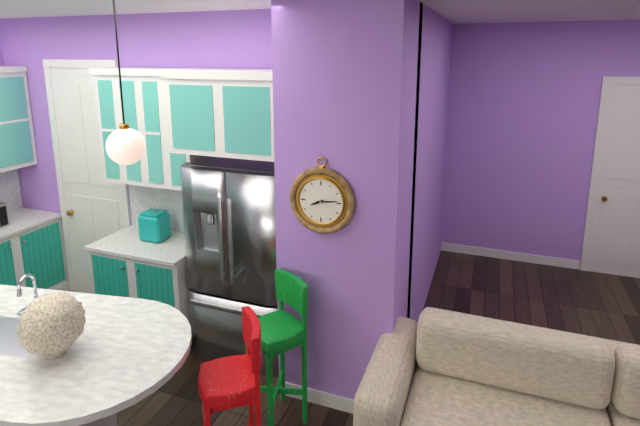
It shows 8h14
